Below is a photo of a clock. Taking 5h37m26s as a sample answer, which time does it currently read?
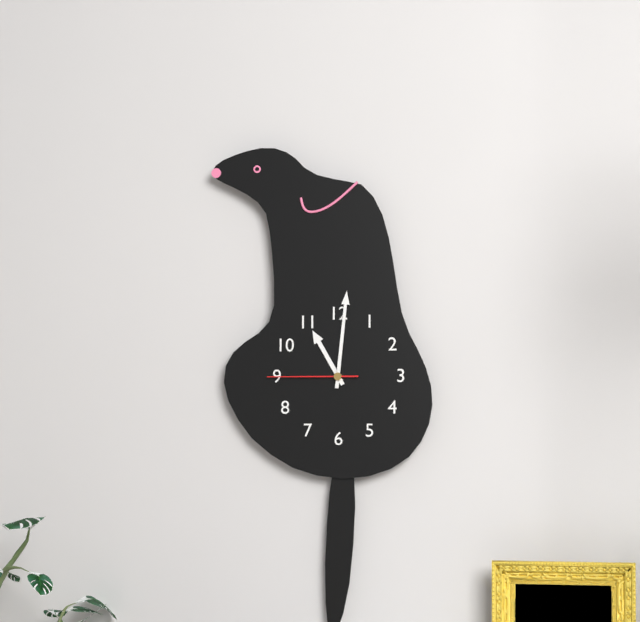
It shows 11h01m45s
